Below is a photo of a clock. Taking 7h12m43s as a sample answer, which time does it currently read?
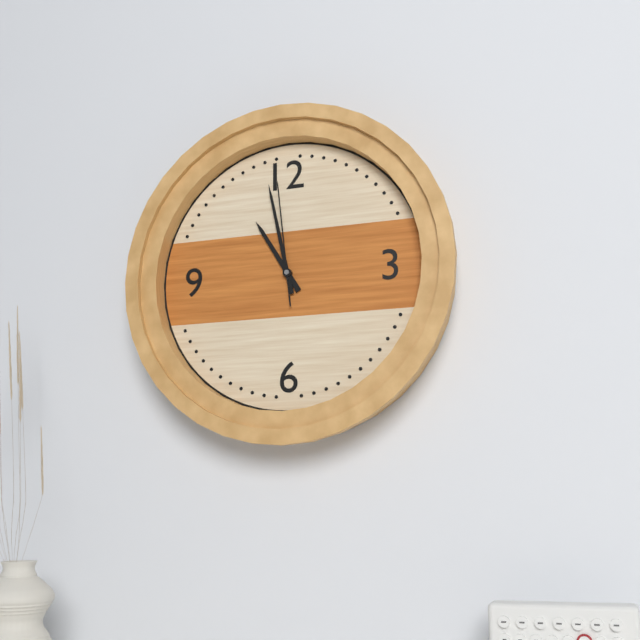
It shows 10h58m59s
